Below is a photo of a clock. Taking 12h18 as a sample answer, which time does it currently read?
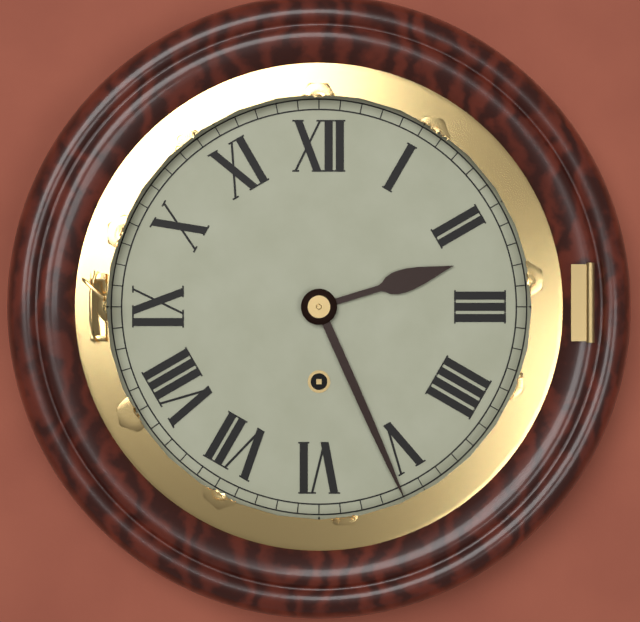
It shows 2h26
